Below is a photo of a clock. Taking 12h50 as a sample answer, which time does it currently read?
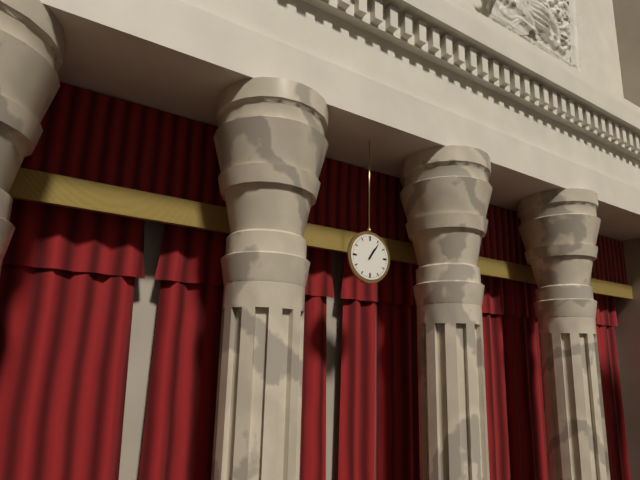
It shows 1h06
